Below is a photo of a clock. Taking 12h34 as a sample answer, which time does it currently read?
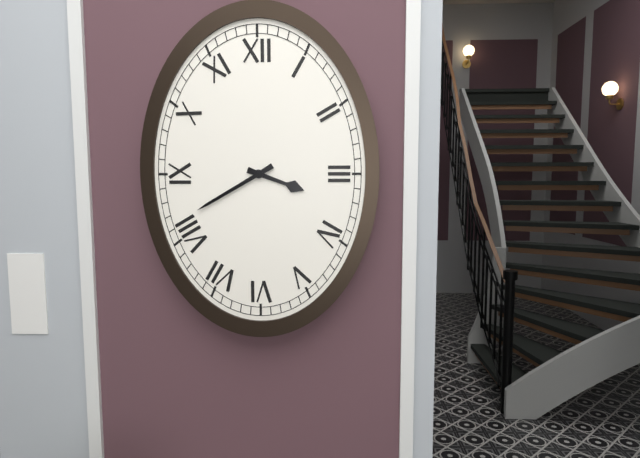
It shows 3h40
